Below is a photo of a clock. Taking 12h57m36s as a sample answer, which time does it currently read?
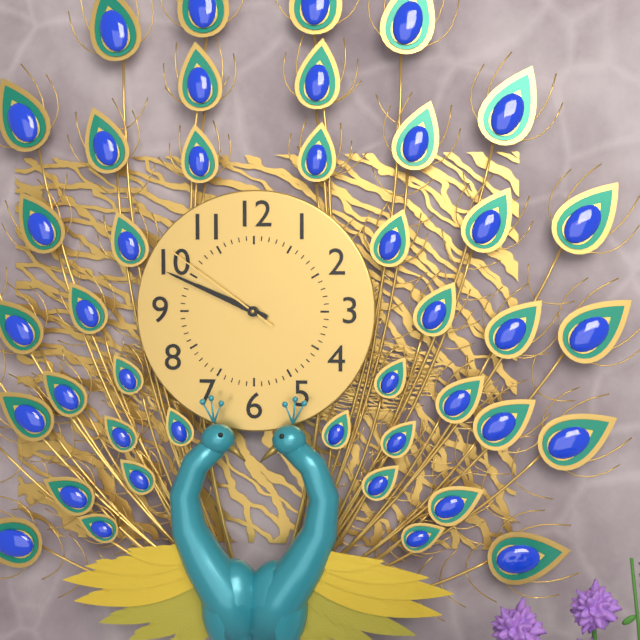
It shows 9h49m51s
